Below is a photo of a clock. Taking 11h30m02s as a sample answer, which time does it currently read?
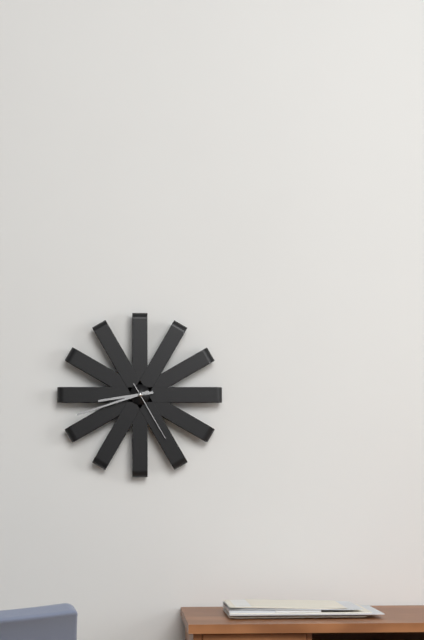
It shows 8h42m25s
